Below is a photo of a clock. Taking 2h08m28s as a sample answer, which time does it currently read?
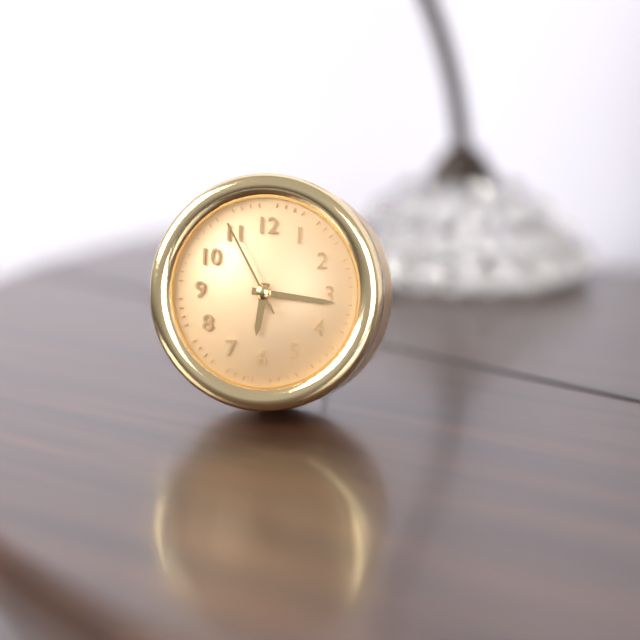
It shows 6h16m55s
